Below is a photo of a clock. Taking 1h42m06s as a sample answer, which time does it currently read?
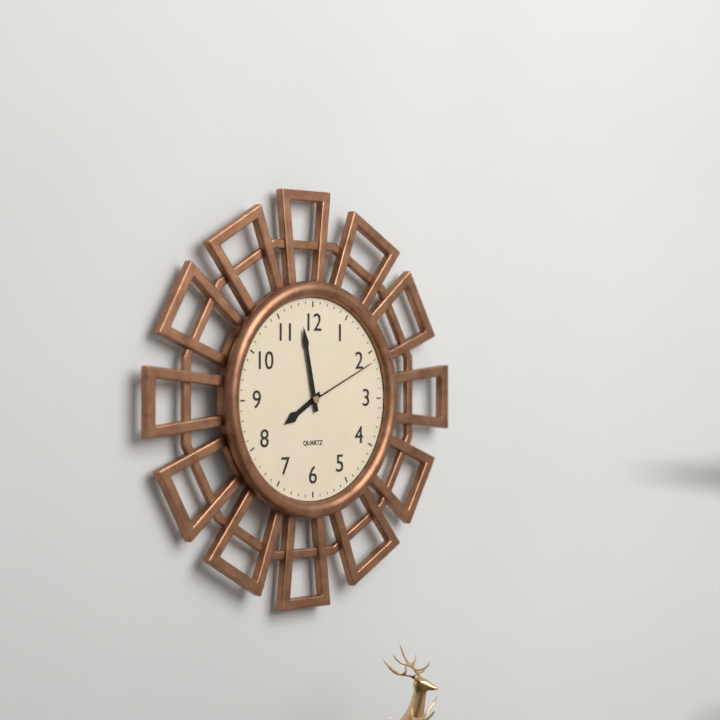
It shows 7h58m11s
